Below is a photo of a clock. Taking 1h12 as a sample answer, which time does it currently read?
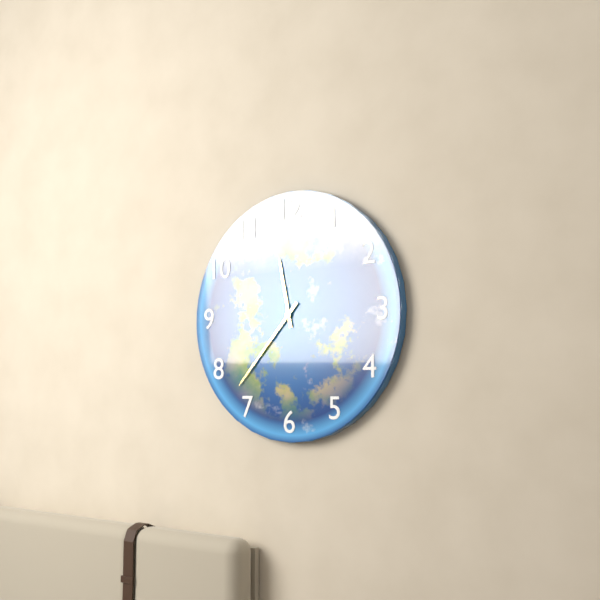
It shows 11h37
